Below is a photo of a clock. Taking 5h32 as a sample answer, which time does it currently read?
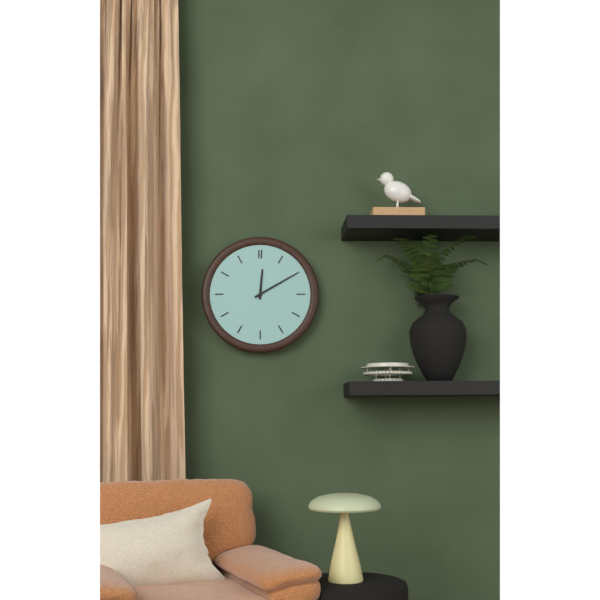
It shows 12h10
